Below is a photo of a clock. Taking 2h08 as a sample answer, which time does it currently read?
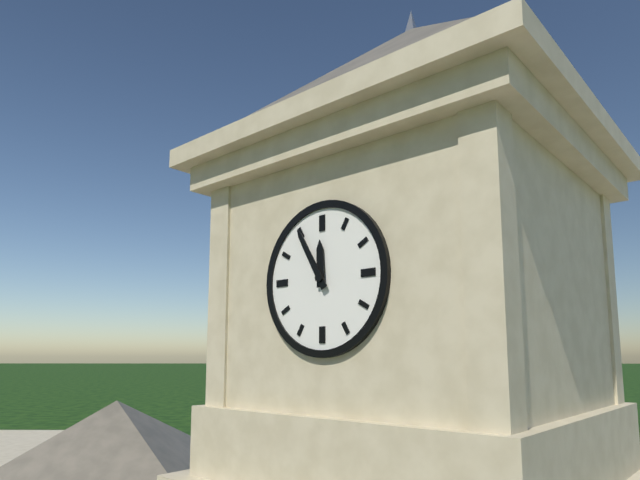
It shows 11h55
